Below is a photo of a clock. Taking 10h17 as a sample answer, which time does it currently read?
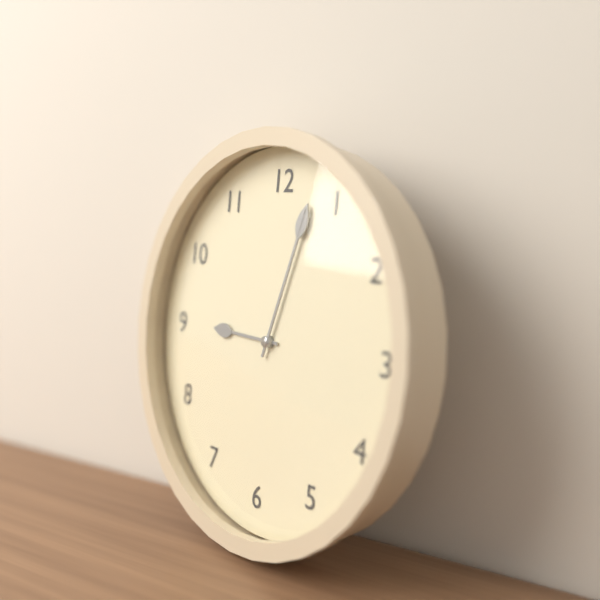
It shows 9h03
